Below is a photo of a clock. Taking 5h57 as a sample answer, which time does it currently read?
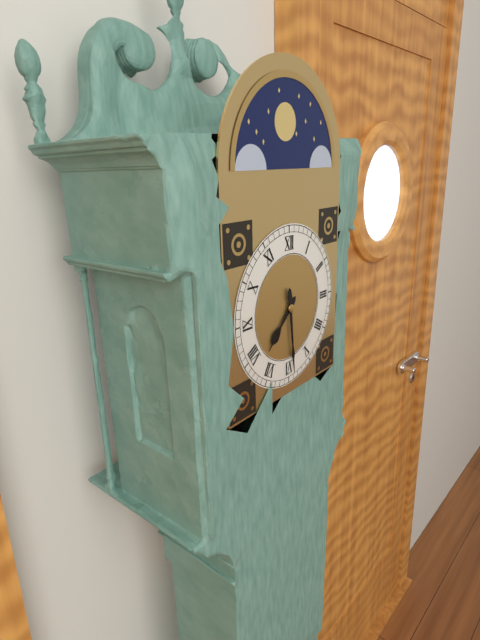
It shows 7h29
